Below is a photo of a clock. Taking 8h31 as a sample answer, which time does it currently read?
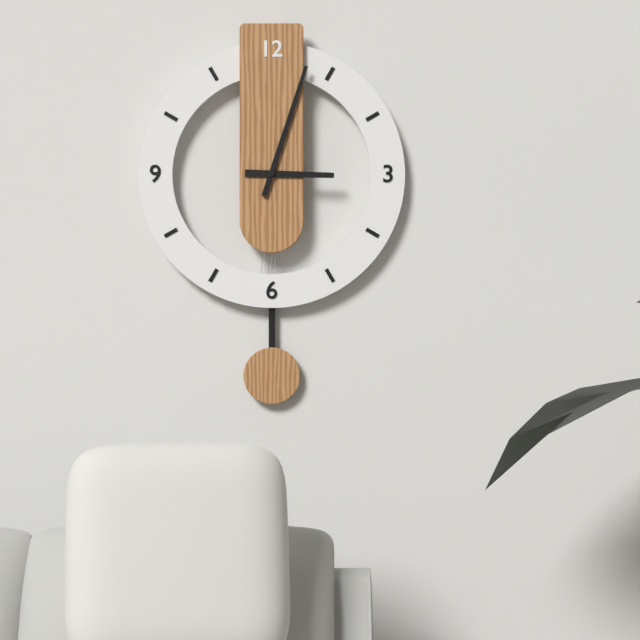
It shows 3h03
